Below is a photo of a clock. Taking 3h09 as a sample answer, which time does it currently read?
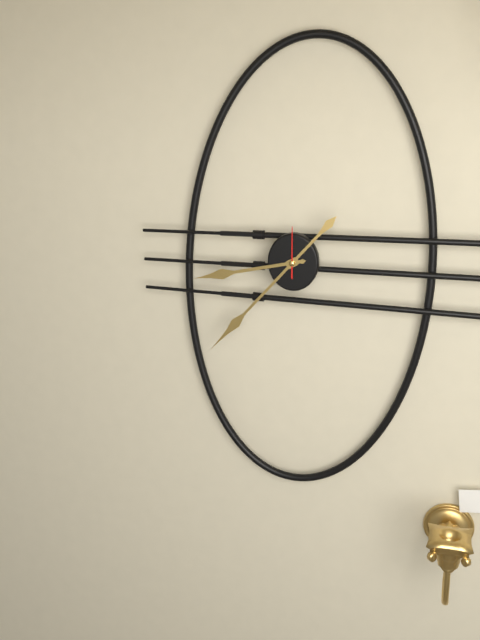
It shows 8h37
